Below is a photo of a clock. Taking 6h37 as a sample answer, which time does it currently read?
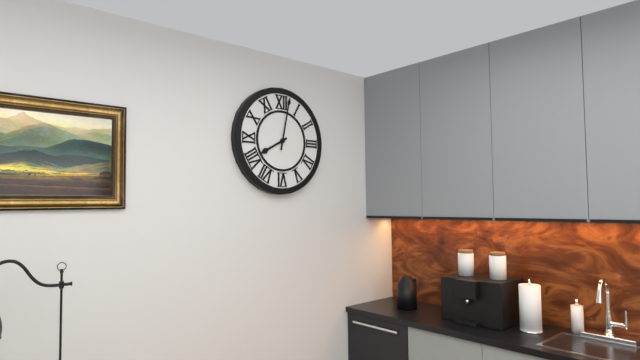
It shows 8h02
